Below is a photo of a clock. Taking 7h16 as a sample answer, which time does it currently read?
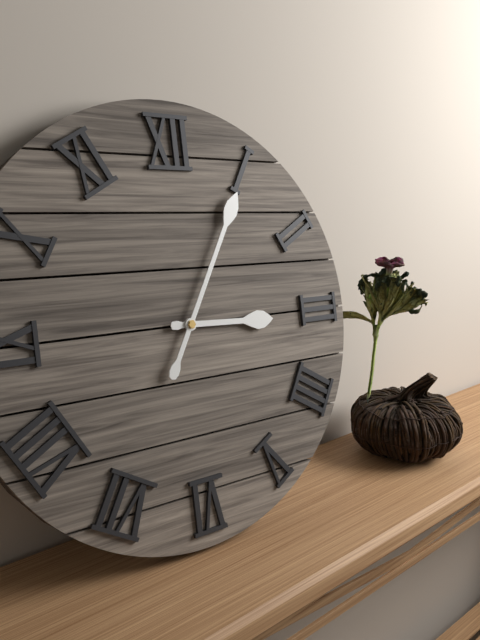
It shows 3h05
